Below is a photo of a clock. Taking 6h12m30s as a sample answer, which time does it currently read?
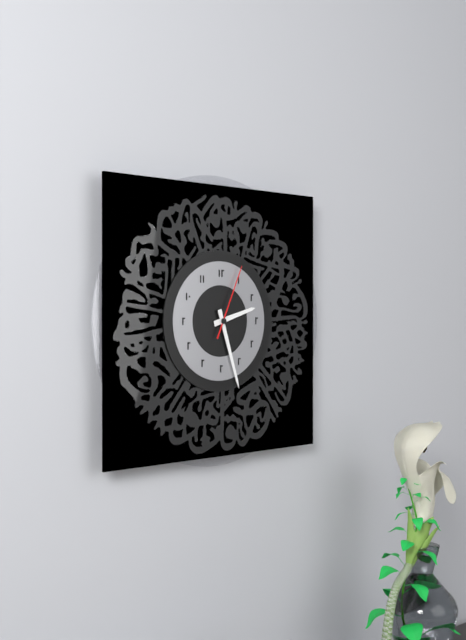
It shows 2h27m04s
